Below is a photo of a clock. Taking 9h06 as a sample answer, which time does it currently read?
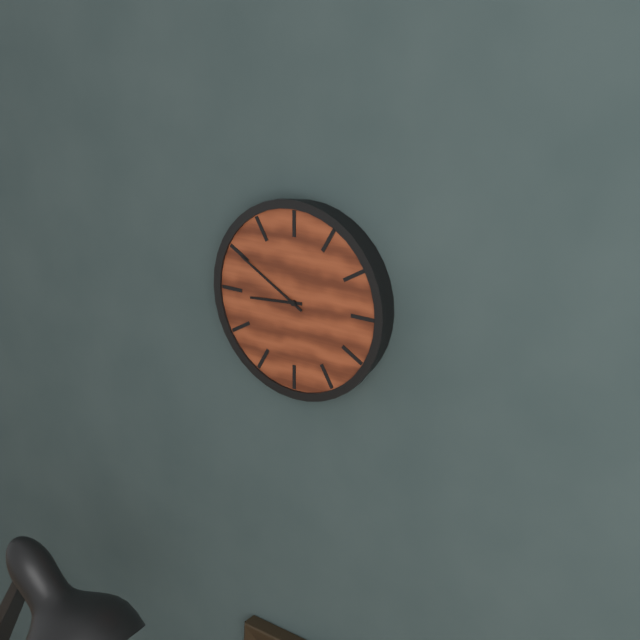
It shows 8h50
